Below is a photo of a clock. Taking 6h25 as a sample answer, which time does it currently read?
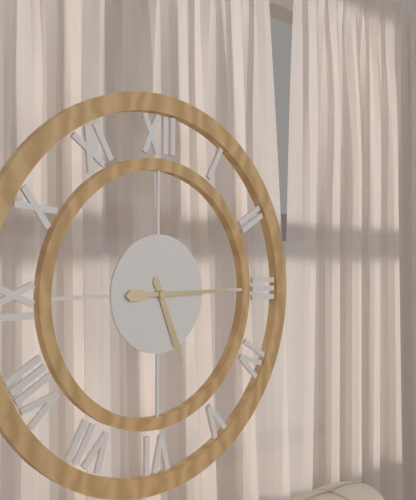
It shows 5h15
